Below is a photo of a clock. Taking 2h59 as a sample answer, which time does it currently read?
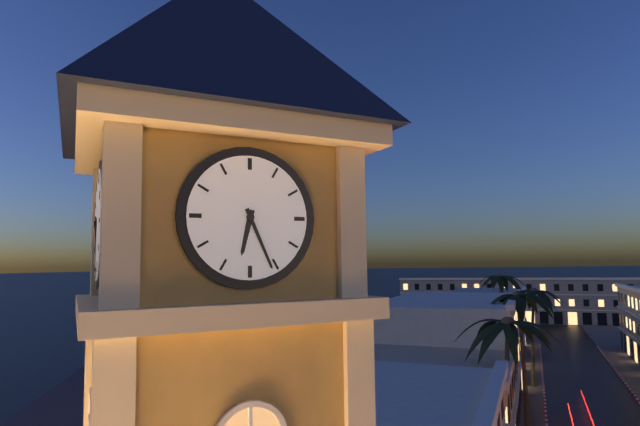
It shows 6h26
